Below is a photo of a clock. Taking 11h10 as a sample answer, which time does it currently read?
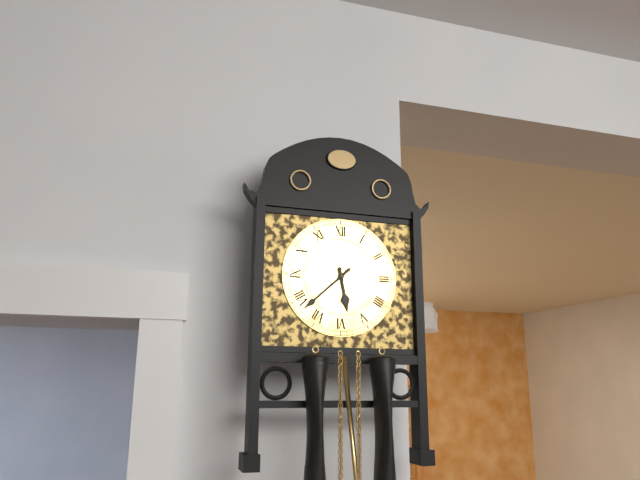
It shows 5h38
